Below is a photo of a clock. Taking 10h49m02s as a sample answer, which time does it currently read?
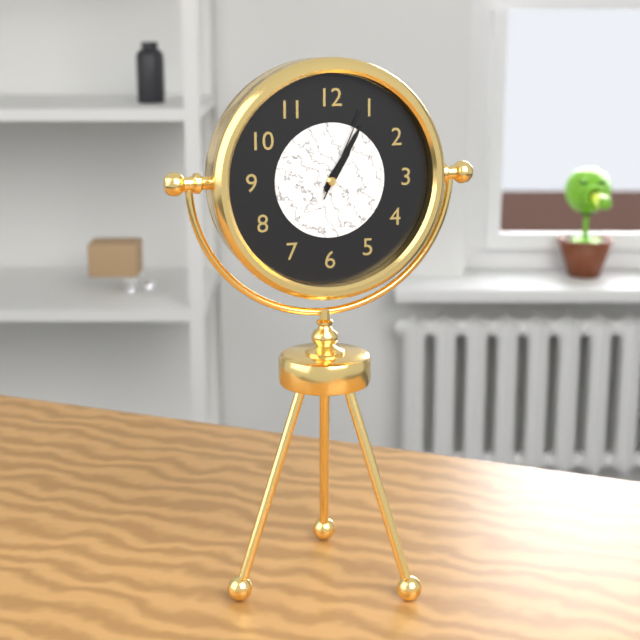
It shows 1h05m04s
